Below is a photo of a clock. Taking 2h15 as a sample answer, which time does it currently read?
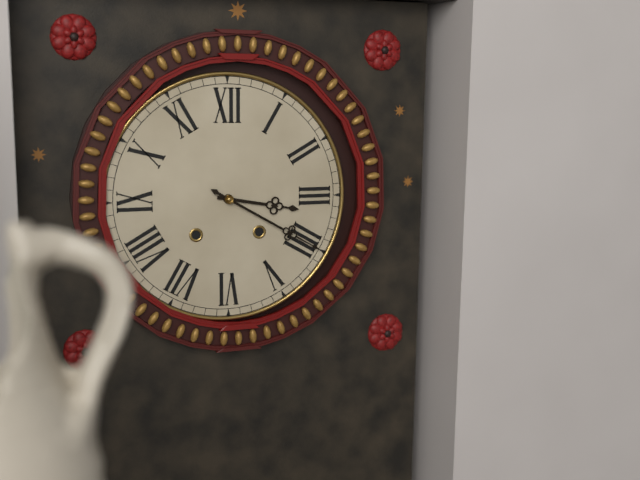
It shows 3h20
